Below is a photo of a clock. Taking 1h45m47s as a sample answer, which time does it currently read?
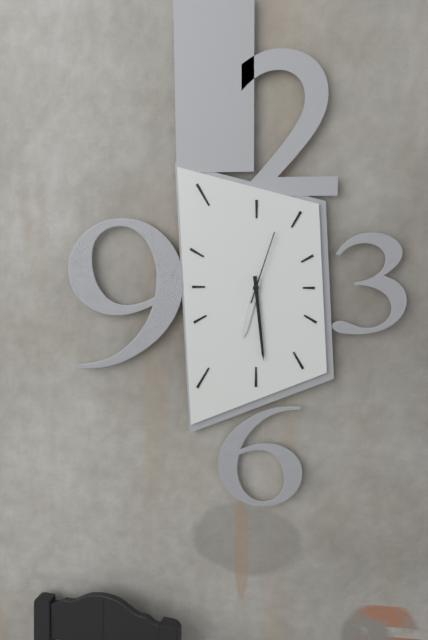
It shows 6h29m03s
